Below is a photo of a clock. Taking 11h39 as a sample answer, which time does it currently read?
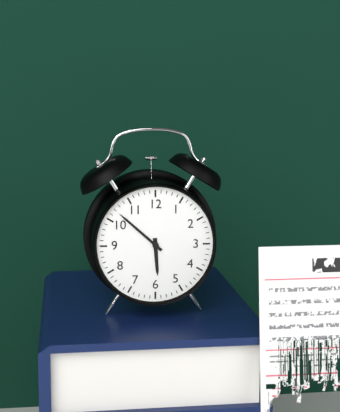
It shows 5h52
